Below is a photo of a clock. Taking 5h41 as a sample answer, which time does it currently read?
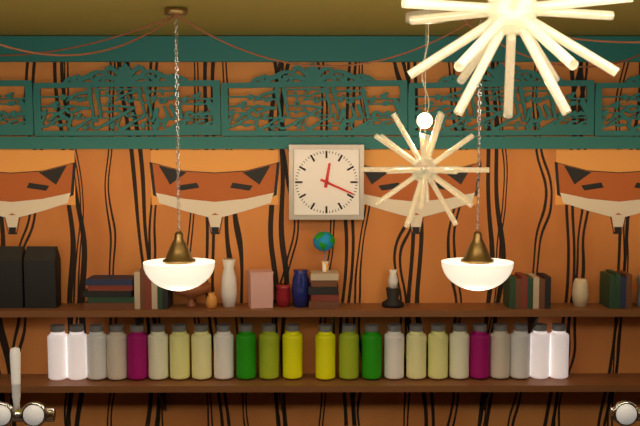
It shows 12h19
